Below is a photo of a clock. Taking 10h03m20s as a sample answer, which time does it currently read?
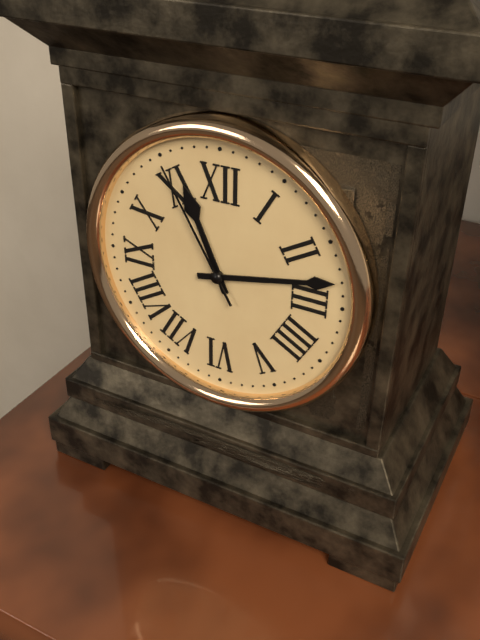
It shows 11h13m55s
